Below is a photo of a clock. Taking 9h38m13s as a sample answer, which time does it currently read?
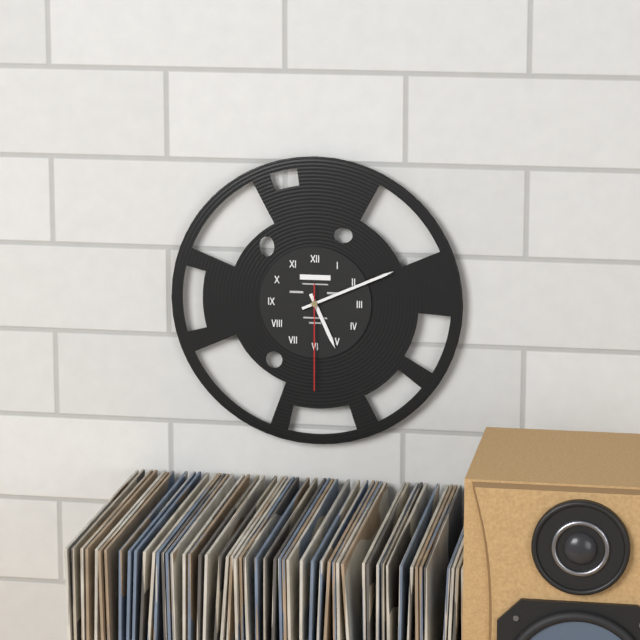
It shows 5h11m30s
